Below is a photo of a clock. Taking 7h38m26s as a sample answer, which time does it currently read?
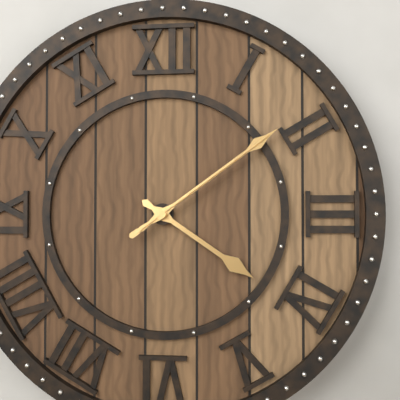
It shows 4h09m09s
